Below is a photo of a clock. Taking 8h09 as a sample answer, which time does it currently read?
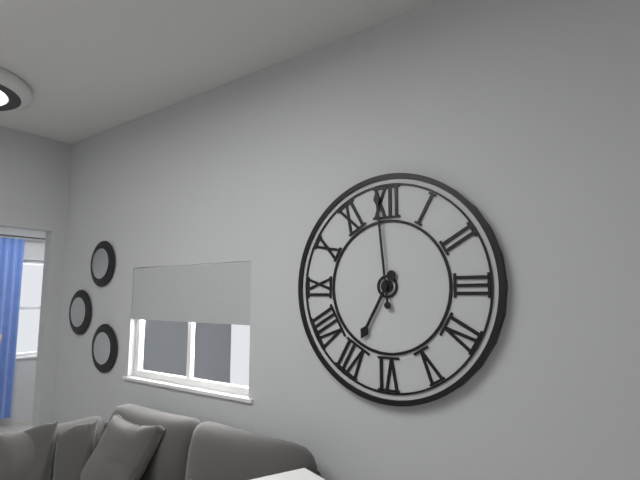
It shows 6h59
